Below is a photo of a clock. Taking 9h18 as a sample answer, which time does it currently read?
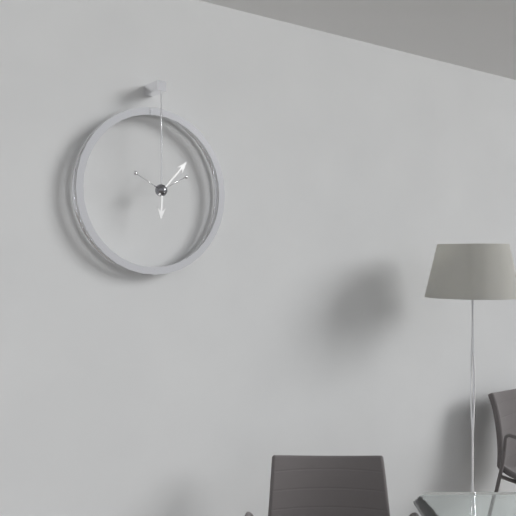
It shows 6h07
